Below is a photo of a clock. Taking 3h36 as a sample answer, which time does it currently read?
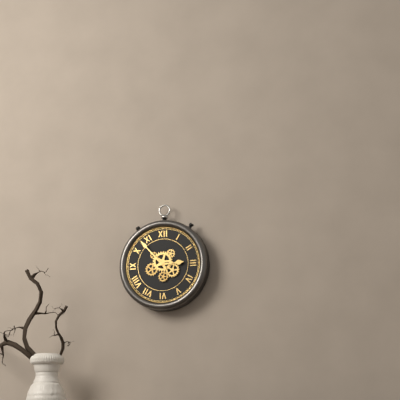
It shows 2h53
